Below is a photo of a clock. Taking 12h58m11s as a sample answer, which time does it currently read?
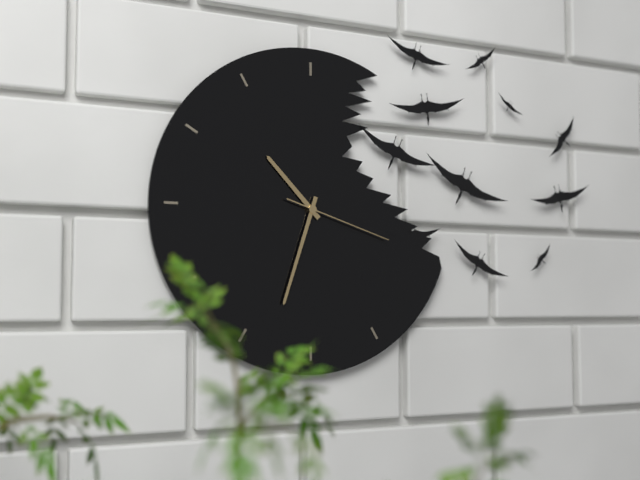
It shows 10h33m18s
